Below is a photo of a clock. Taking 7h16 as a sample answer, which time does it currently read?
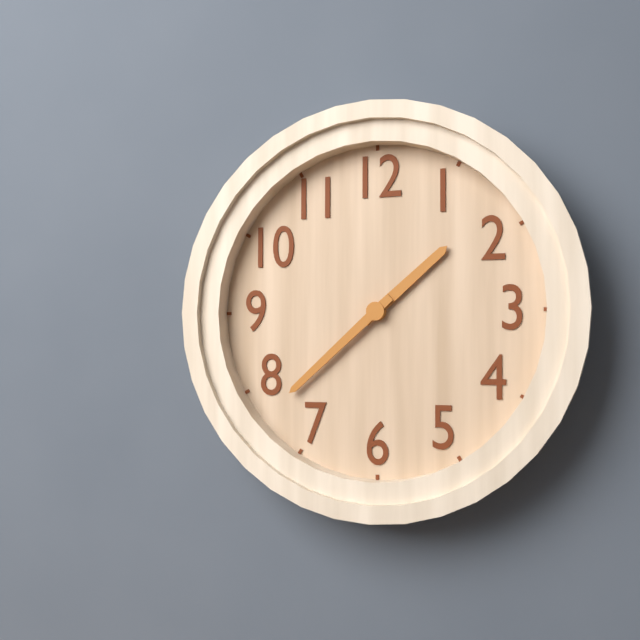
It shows 1h38
